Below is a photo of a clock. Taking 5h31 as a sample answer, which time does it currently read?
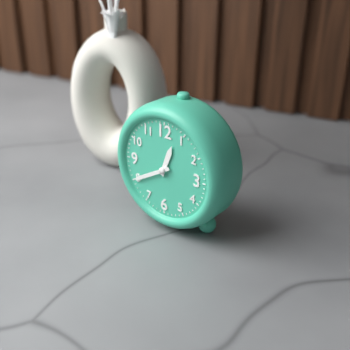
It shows 12h40
